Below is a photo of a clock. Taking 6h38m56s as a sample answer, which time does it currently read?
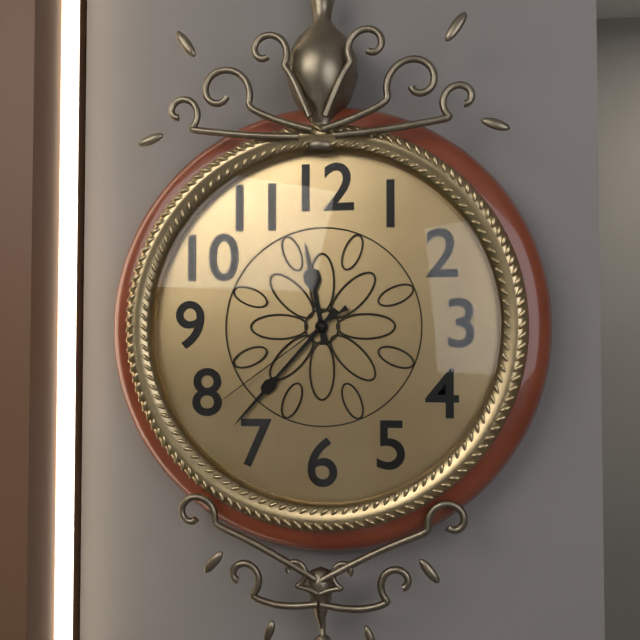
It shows 11h37m39s
